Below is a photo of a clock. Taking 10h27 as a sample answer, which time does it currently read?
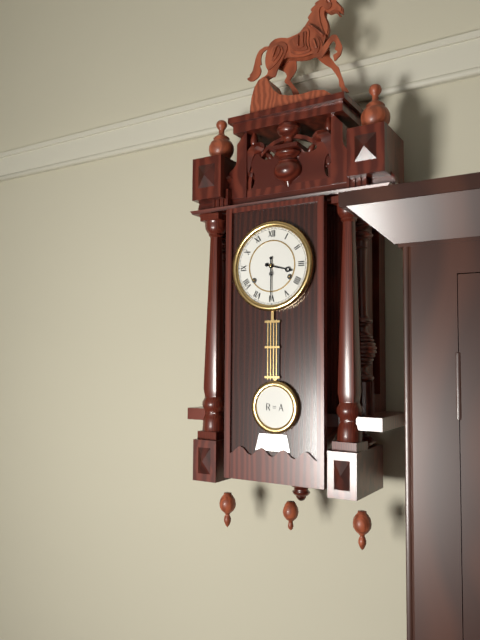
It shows 3h30
